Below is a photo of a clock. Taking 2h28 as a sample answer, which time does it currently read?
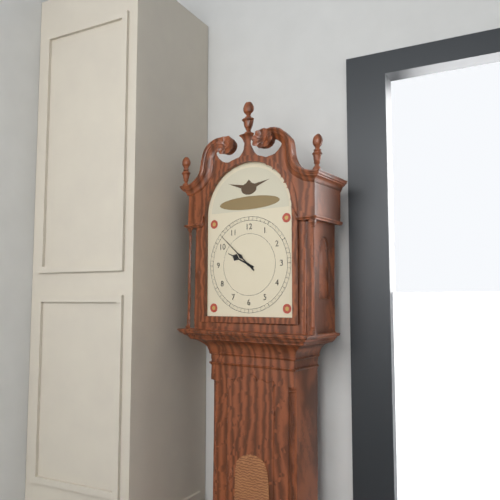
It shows 9h52
